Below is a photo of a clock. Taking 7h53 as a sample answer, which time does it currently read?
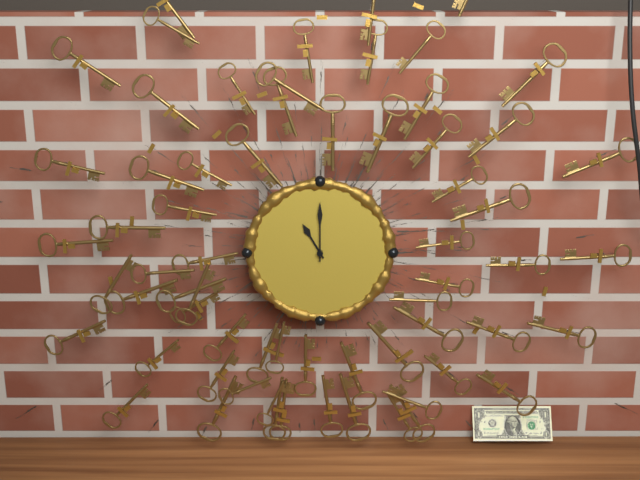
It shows 11h00
